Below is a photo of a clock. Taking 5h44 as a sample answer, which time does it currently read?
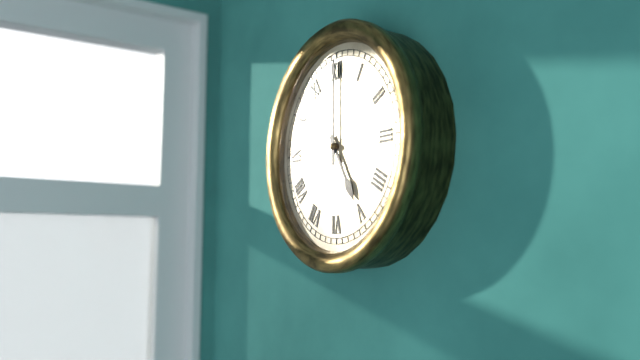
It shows 5h00
